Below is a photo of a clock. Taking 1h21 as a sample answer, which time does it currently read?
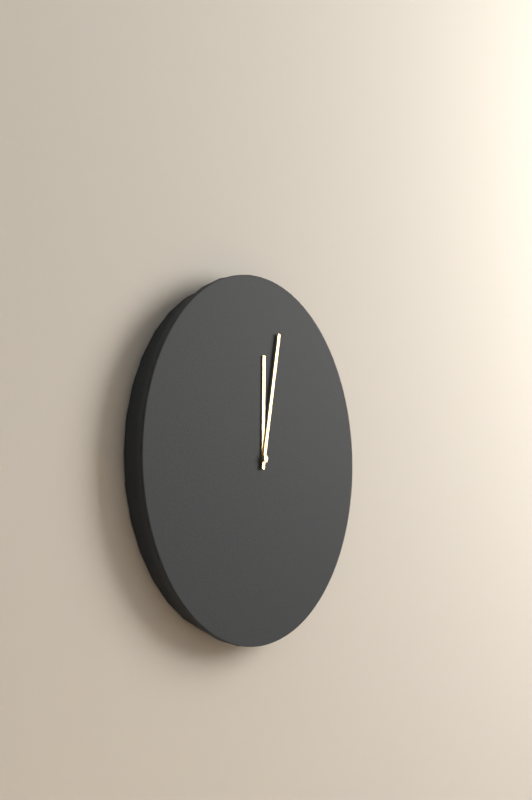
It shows 12h02
